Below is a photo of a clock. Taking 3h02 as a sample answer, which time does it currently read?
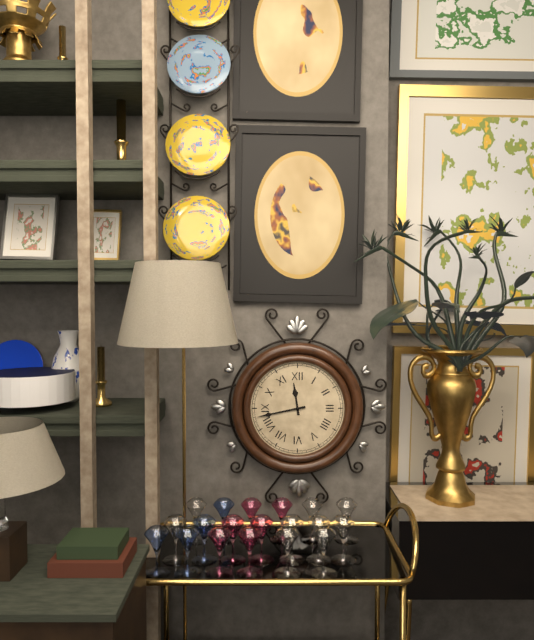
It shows 11h43
